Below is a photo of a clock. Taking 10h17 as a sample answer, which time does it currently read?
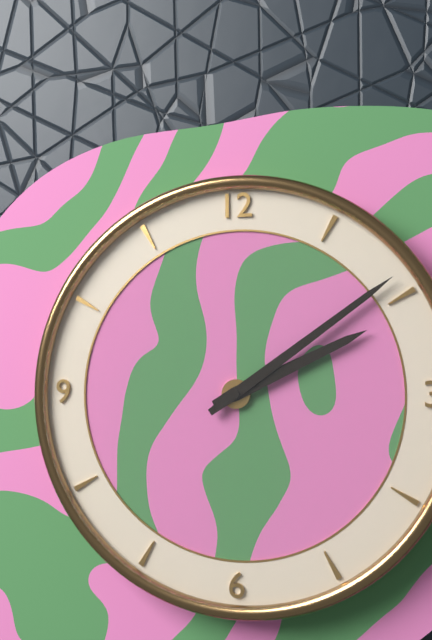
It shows 2h09
